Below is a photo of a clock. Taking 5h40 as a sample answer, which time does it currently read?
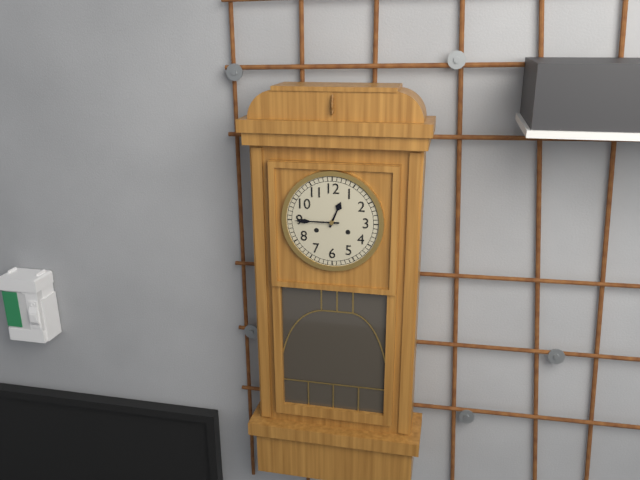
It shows 12h45
